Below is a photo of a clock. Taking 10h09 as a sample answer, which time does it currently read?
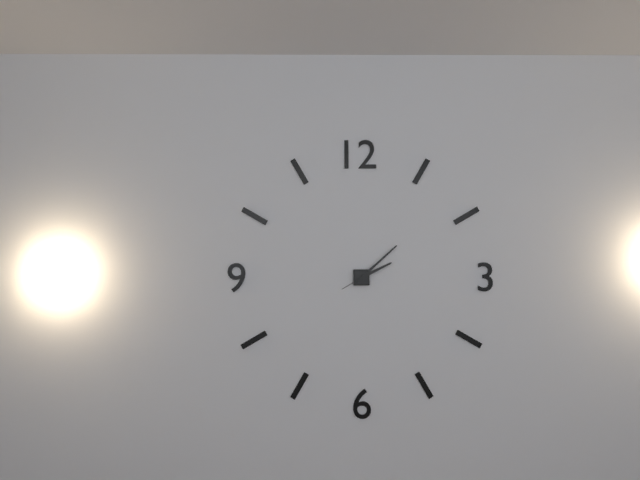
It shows 2h08
